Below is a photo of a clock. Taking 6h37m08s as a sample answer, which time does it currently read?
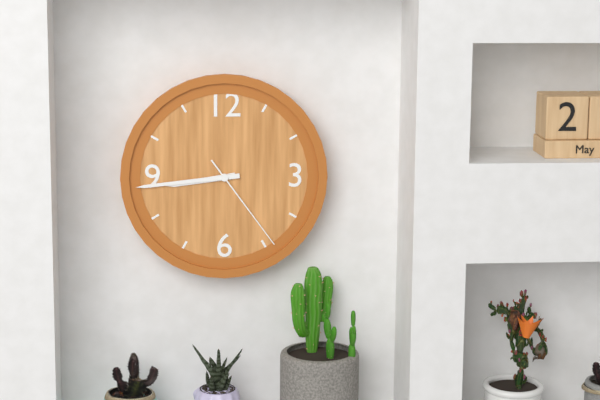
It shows 8h44m24s
